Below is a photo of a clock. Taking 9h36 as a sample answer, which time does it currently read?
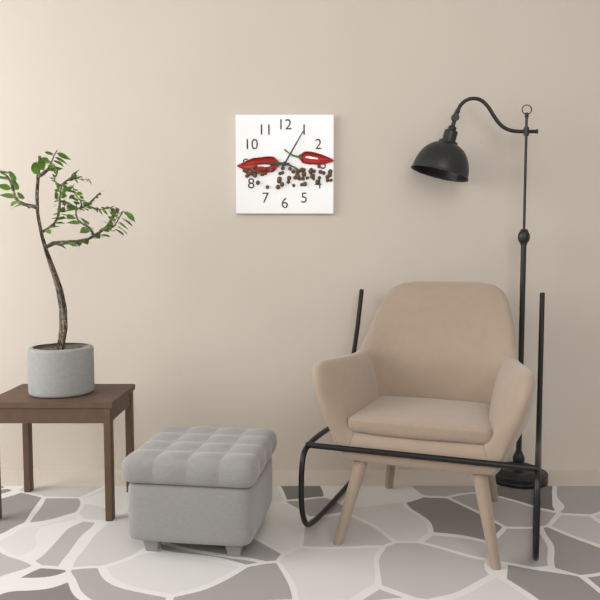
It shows 9h05
